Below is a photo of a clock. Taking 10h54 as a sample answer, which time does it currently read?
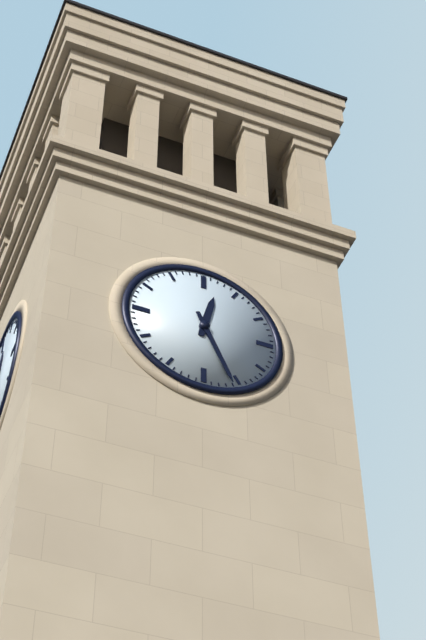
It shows 12h26
